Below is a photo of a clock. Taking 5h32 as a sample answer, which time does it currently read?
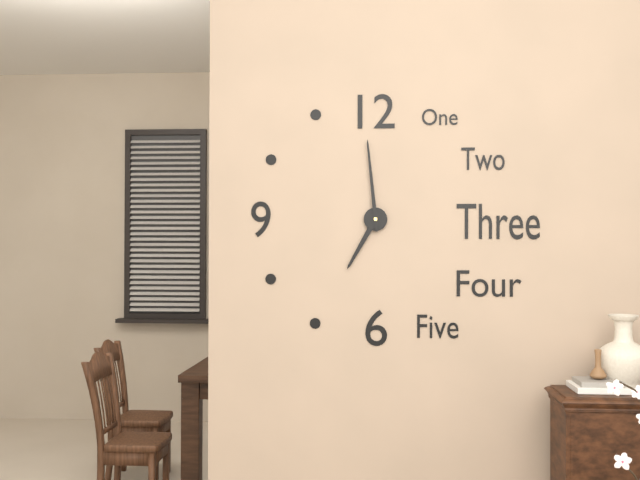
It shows 6h59
